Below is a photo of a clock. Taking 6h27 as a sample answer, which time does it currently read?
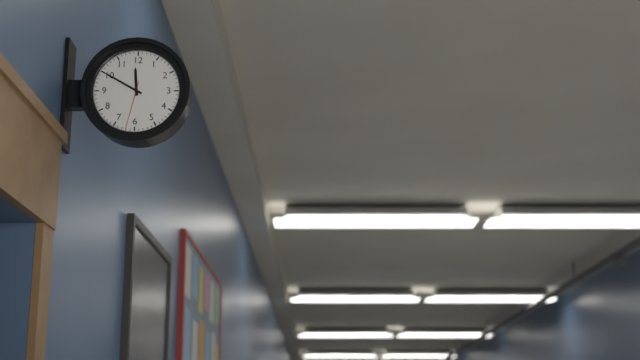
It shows 11h50
